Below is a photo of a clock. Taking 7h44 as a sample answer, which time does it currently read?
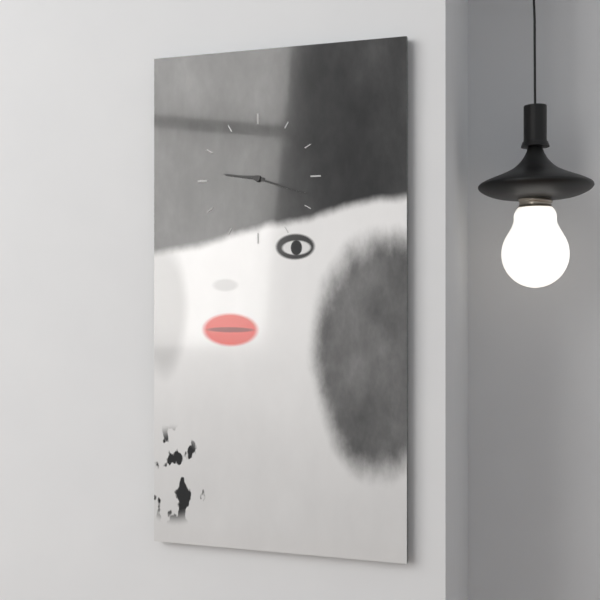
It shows 9h18
